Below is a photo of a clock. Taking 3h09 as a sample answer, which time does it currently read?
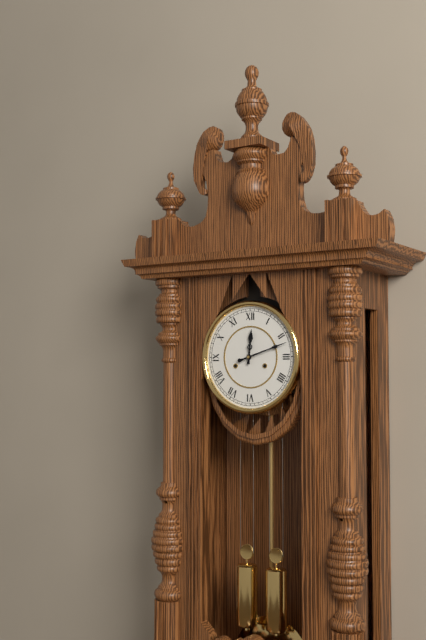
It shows 12h12
